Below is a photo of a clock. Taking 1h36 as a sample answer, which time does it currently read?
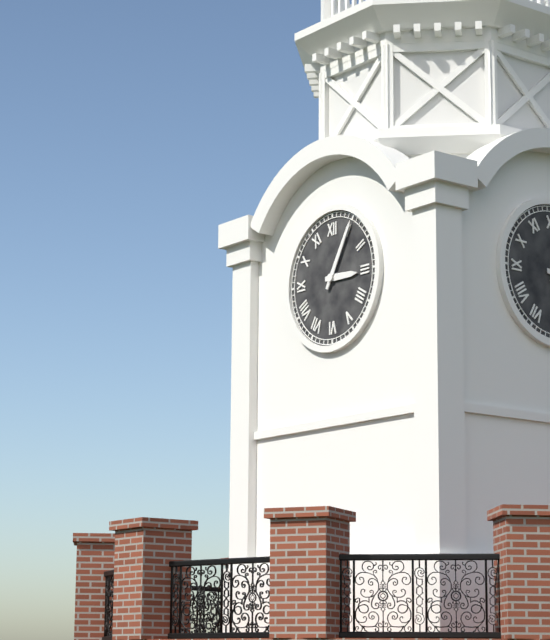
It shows 3h05
